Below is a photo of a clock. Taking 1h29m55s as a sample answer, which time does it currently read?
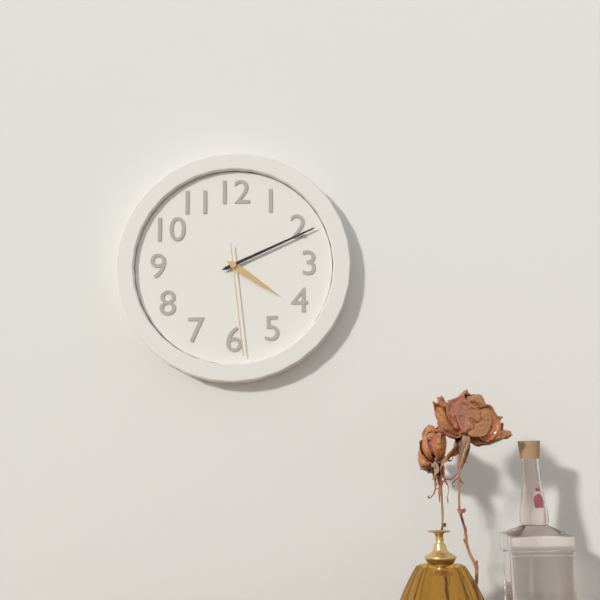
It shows 4h11m29s
